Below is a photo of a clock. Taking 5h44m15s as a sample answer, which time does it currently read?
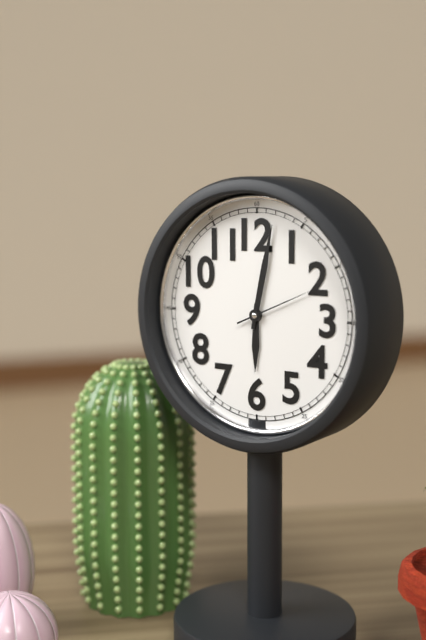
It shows 6h02m11s
